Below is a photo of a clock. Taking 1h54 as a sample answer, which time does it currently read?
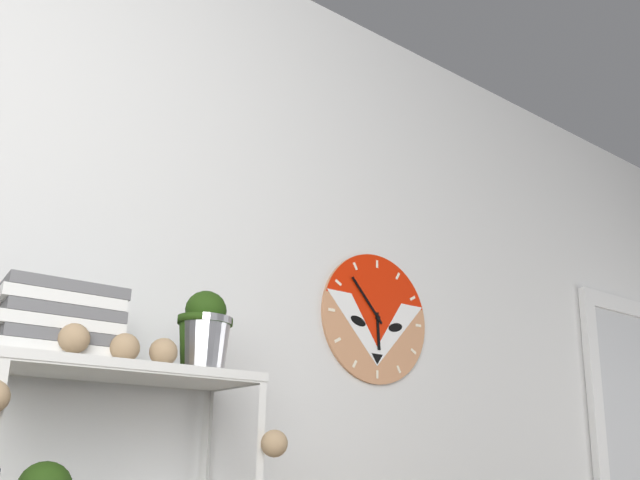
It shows 5h53
